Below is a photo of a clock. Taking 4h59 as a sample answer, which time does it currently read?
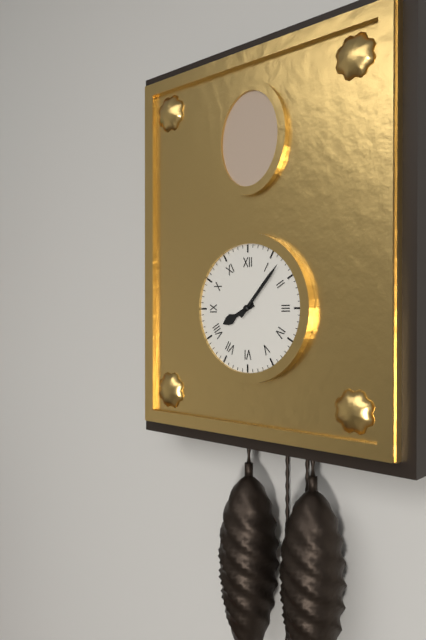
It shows 8h07
